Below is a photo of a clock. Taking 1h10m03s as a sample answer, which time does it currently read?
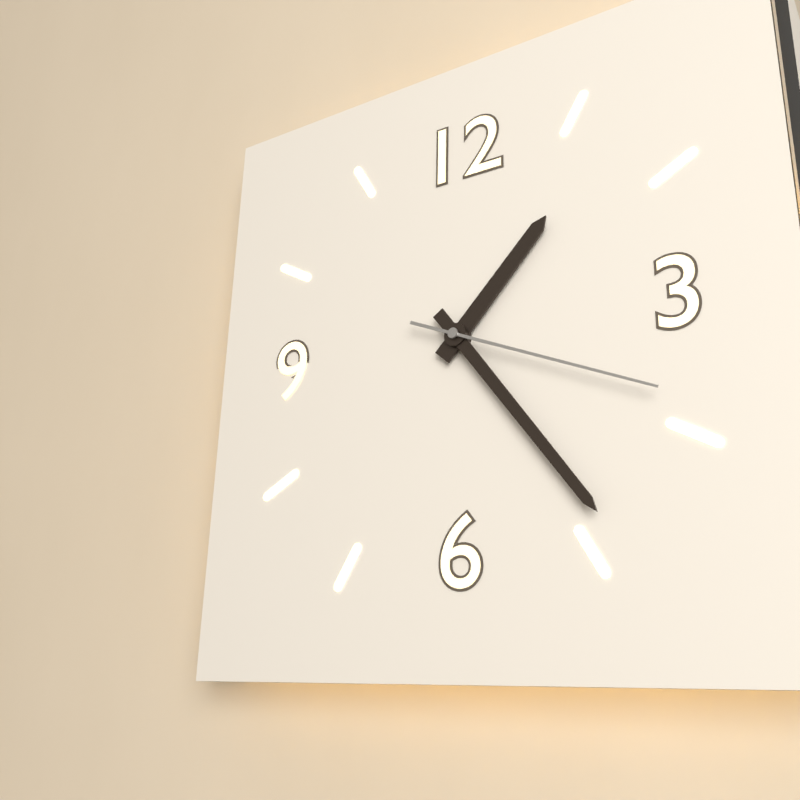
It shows 1h24m19s
